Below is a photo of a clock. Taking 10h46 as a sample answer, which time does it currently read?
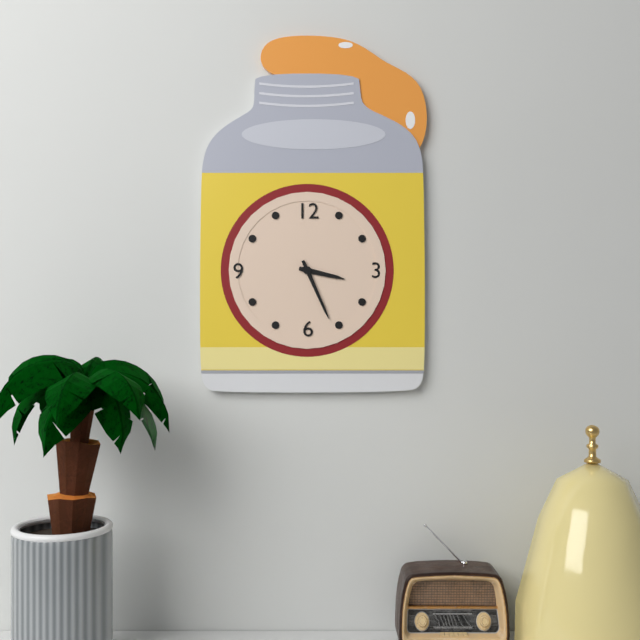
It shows 3h26
